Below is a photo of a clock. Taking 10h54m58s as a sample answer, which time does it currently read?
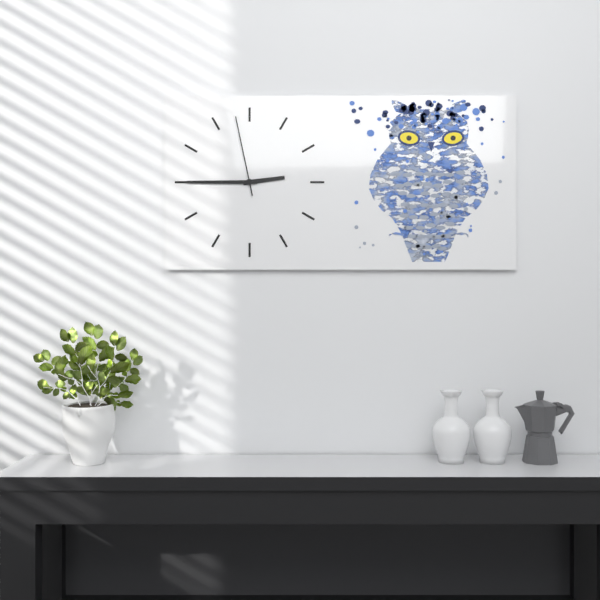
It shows 2h45m58s
